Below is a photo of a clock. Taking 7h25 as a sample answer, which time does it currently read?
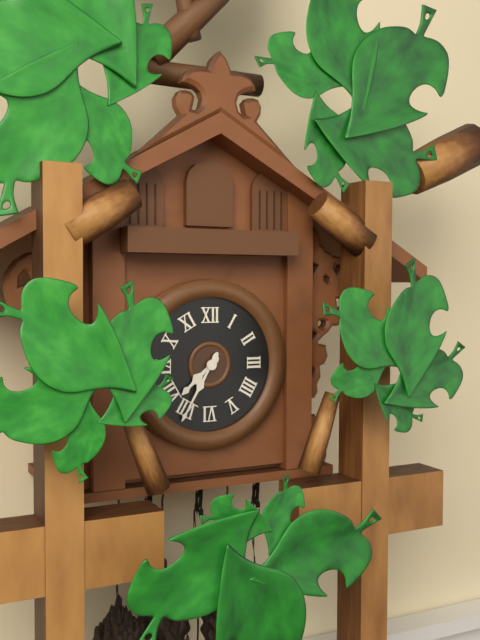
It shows 7h35
